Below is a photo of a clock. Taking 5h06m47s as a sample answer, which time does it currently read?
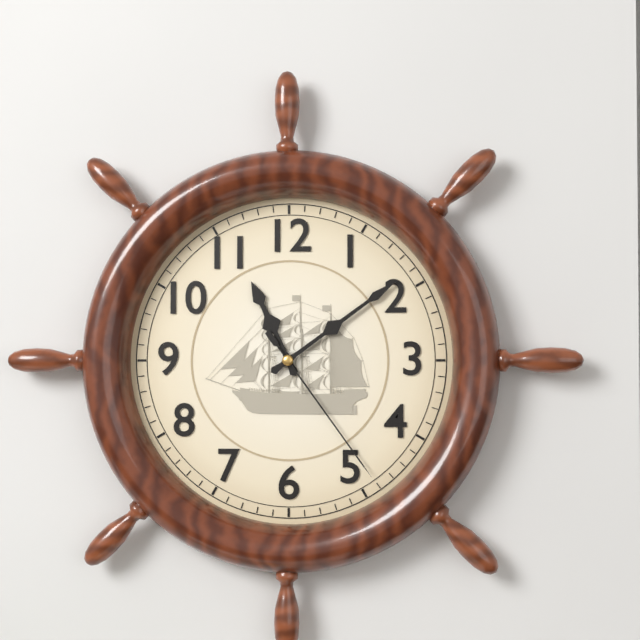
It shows 11h09m24s
